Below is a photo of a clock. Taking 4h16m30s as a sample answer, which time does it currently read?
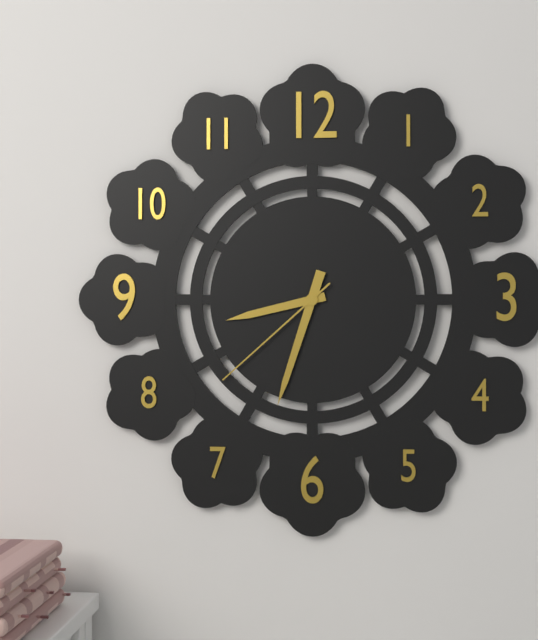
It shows 8h33m38s
